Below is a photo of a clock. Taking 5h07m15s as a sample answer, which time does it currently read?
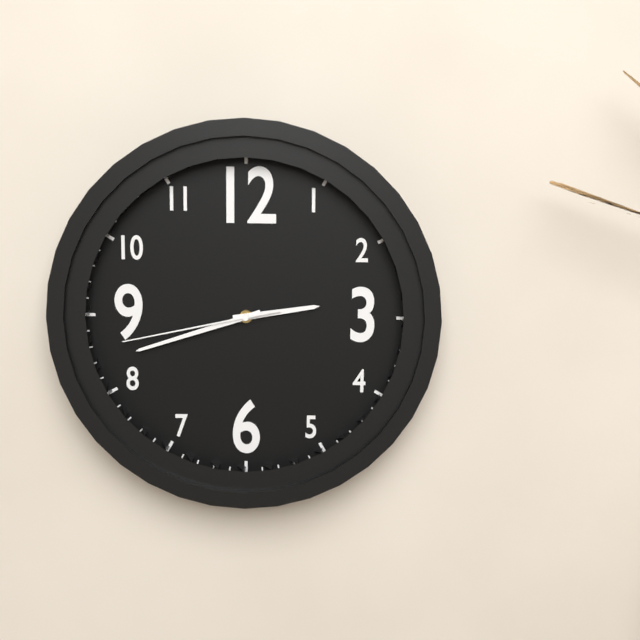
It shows 2h42m43s
